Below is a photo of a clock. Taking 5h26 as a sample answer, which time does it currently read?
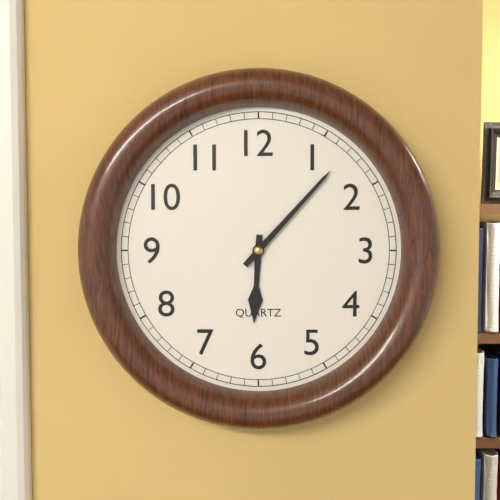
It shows 6h07
